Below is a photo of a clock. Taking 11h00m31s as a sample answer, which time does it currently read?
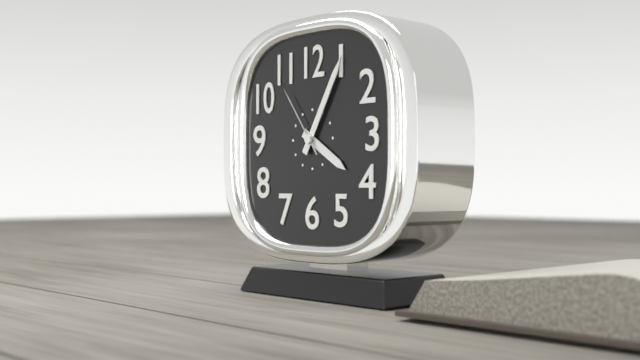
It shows 4h05m54s
